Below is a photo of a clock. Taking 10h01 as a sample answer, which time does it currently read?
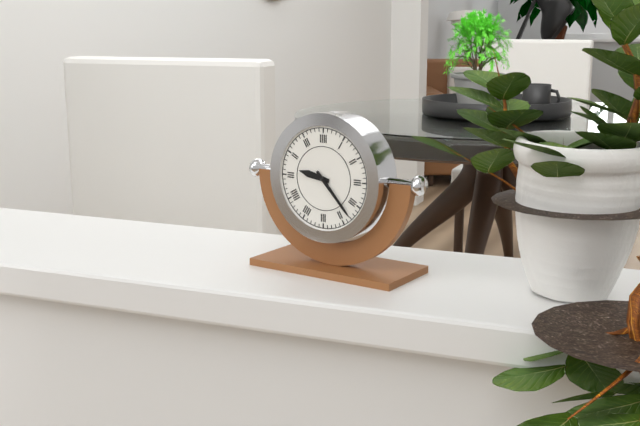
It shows 9h23
